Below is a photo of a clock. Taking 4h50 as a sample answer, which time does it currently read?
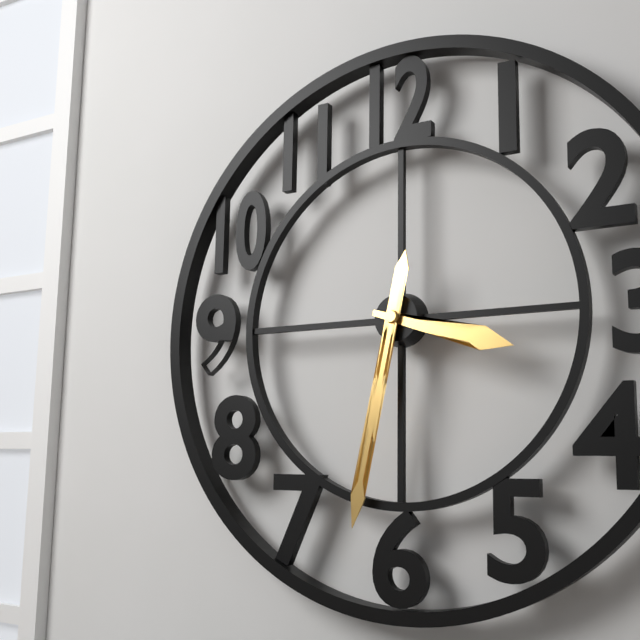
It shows 3h32
